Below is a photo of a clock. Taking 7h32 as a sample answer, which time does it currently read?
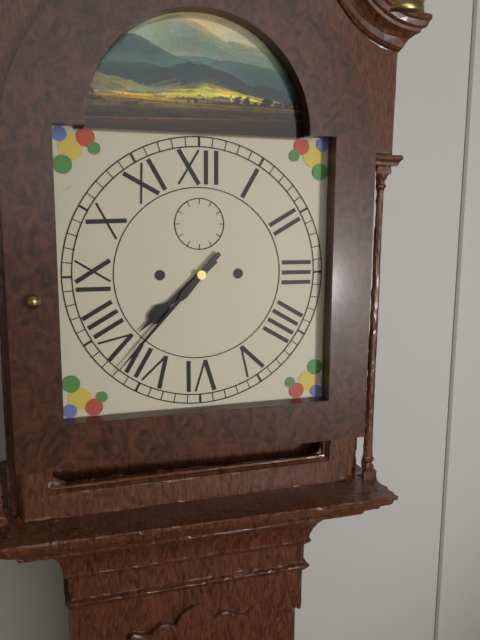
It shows 7h37
